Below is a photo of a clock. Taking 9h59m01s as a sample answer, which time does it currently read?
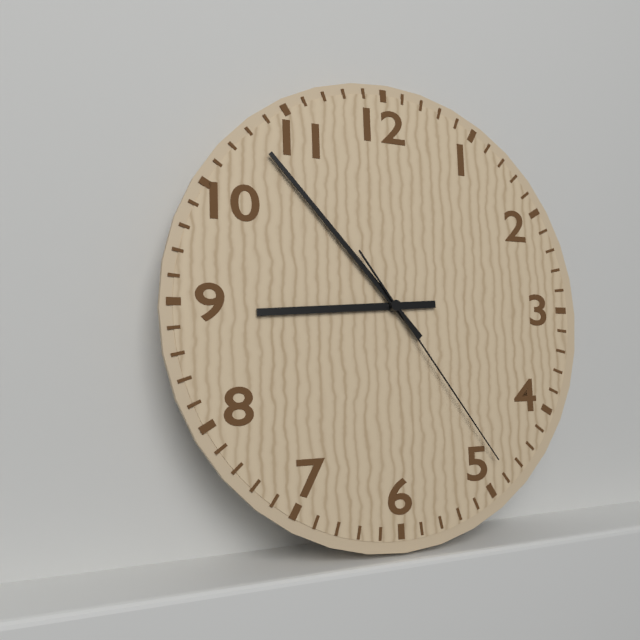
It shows 8h53m24s
